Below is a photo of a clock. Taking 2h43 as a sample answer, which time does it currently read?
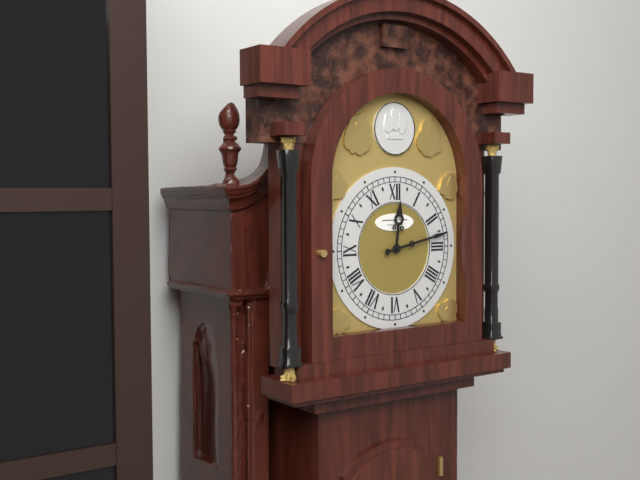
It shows 12h13
